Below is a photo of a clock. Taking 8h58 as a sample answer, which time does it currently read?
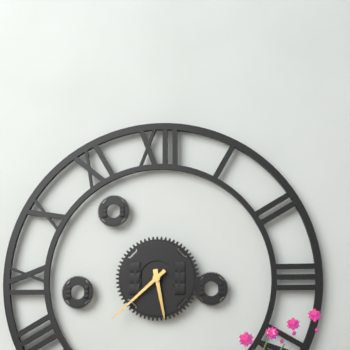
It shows 5h38
